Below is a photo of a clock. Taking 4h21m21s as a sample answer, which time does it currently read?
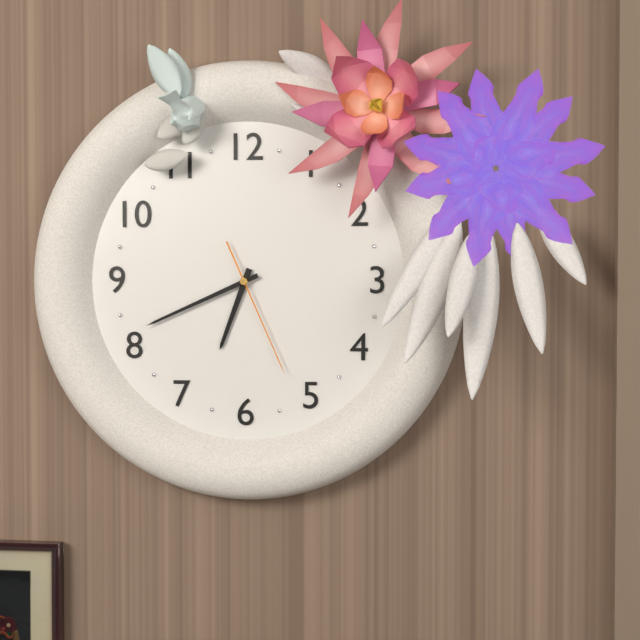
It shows 6h41m26s
